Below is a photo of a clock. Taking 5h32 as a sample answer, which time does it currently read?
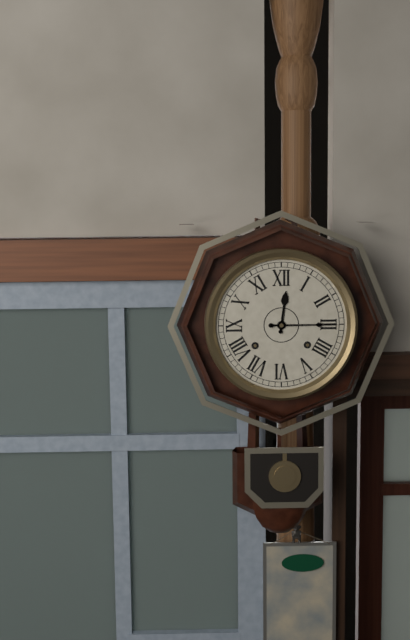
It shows 12h15
